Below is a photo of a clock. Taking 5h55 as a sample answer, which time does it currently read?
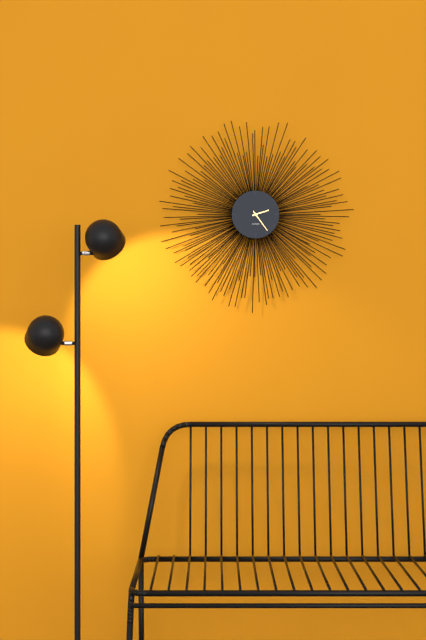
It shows 2h24
